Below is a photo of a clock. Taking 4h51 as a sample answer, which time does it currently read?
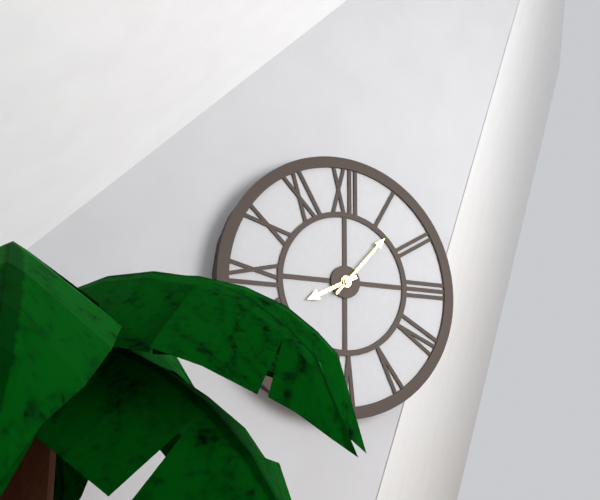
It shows 8h07
